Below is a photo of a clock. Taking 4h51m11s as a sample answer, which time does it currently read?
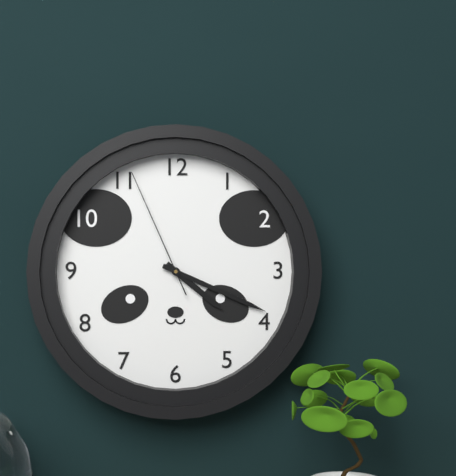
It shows 4h19m56s
